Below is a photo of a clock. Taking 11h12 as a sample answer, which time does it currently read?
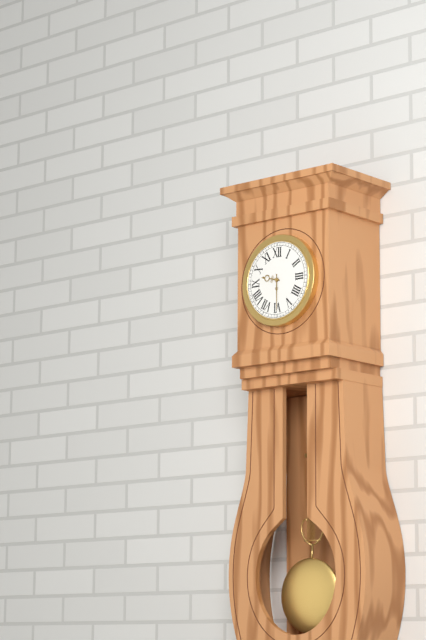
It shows 9h30
